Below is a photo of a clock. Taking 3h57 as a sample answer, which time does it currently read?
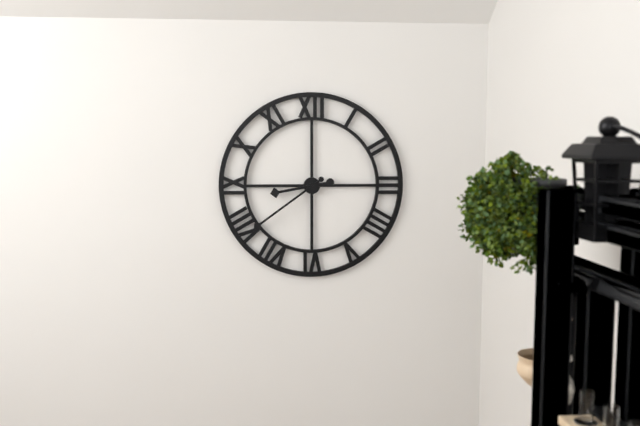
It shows 8h39
